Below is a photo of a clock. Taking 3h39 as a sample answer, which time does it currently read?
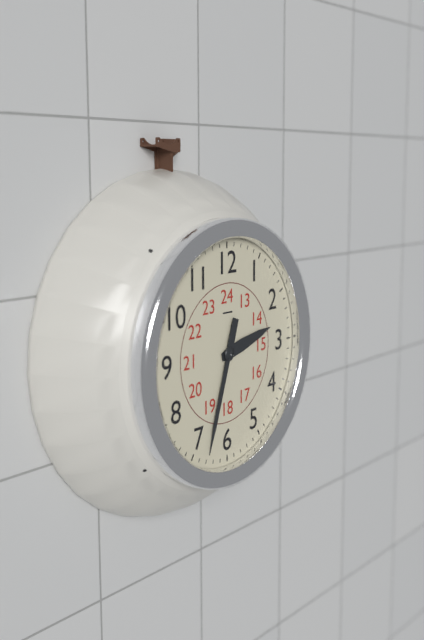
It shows 2h33
